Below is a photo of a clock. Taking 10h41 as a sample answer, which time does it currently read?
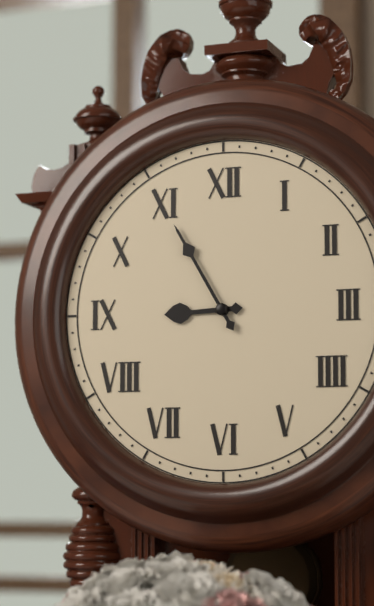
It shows 8h55
